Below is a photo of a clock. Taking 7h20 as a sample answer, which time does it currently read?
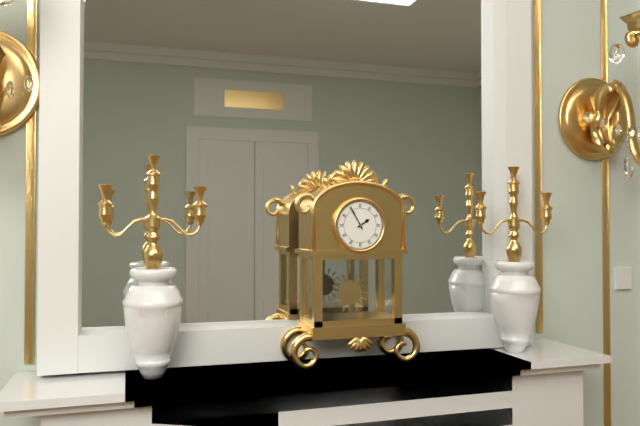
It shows 1h55
